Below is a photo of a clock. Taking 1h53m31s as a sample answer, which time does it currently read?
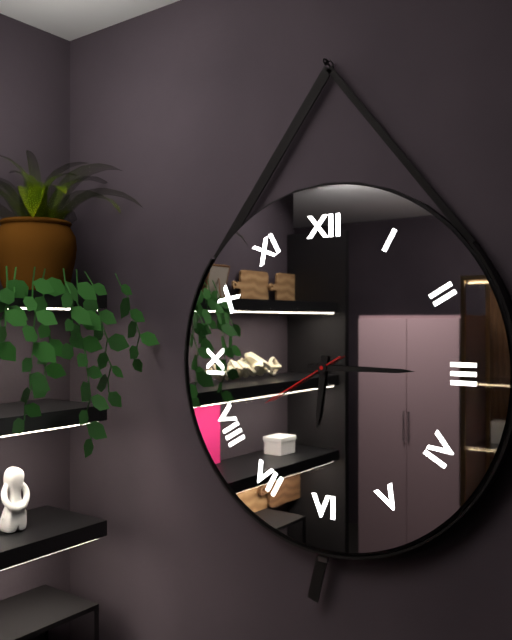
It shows 6h15m40s
